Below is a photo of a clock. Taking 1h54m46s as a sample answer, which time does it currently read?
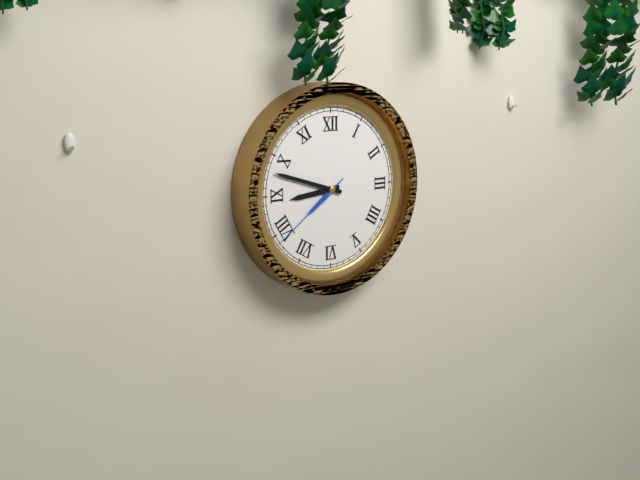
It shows 8h48m39s
